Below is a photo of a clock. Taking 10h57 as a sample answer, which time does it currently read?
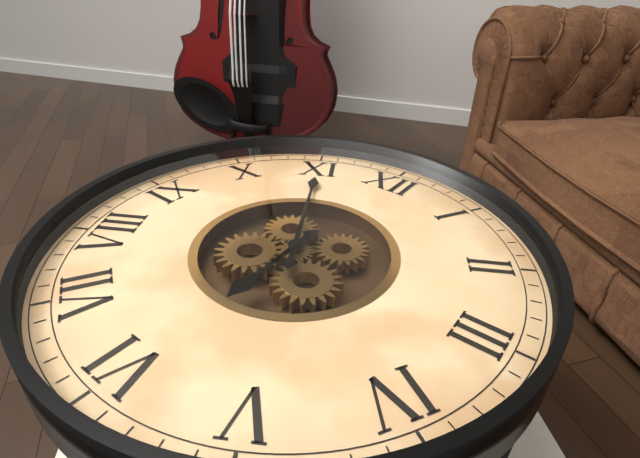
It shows 5h55
